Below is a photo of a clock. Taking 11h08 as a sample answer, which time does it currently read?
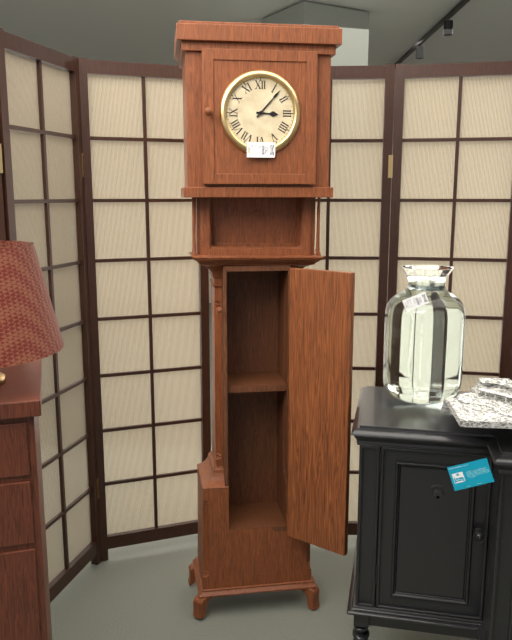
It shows 3h07
